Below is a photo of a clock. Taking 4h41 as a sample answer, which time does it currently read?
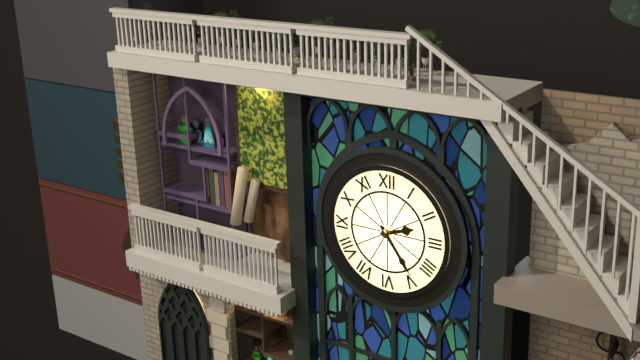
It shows 2h24
